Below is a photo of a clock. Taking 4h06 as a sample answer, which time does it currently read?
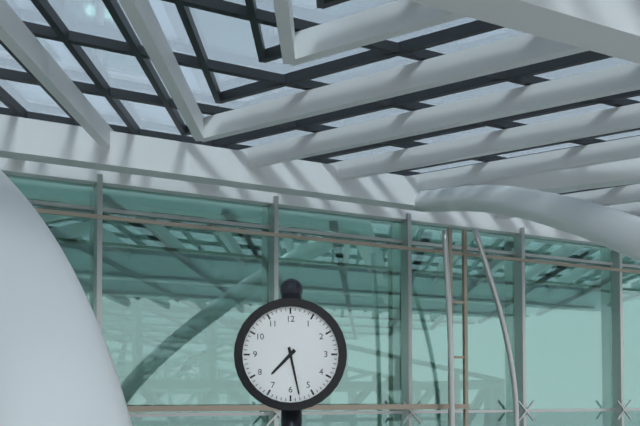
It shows 7h28
